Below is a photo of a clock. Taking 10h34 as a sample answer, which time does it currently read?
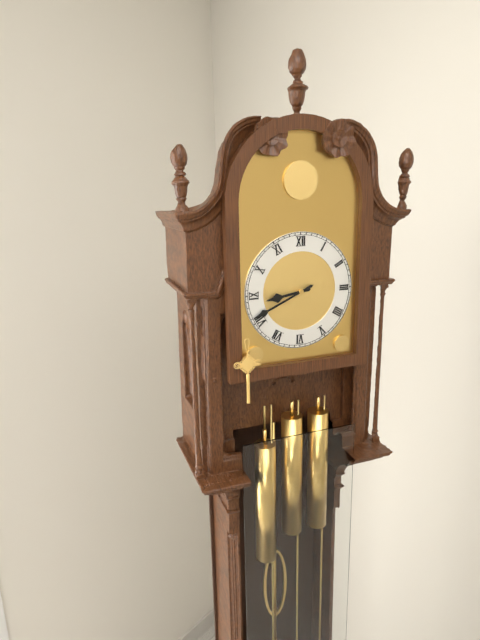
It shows 8h41
